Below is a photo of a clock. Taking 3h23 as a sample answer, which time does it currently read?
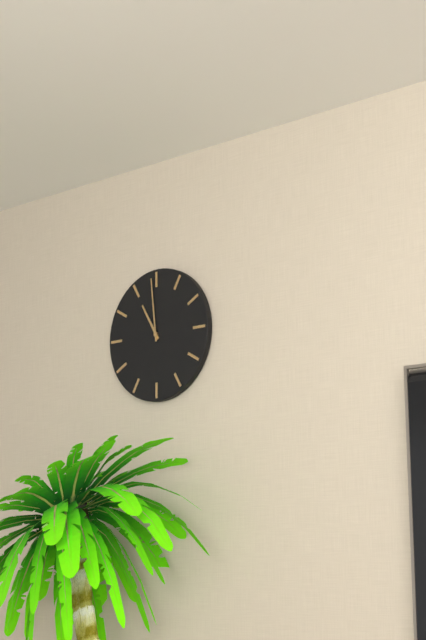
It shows 10h59
